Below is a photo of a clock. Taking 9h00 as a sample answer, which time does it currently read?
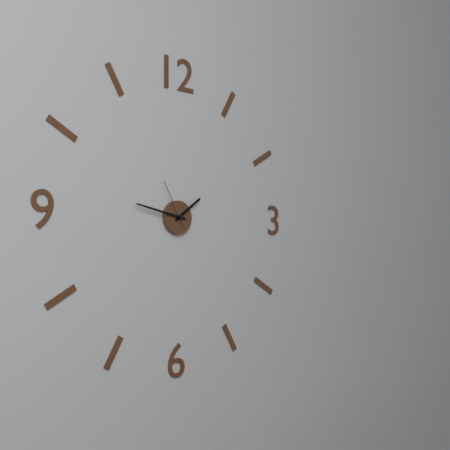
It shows 1h47
